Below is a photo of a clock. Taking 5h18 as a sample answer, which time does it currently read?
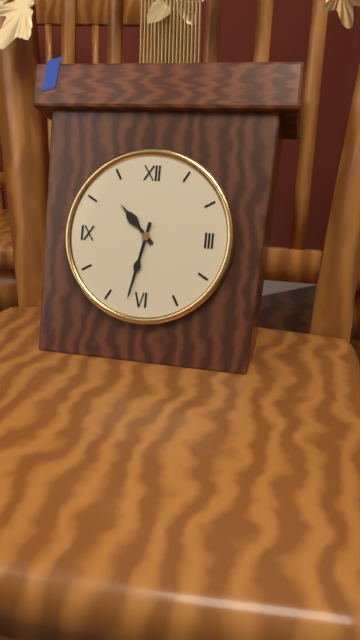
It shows 10h32
